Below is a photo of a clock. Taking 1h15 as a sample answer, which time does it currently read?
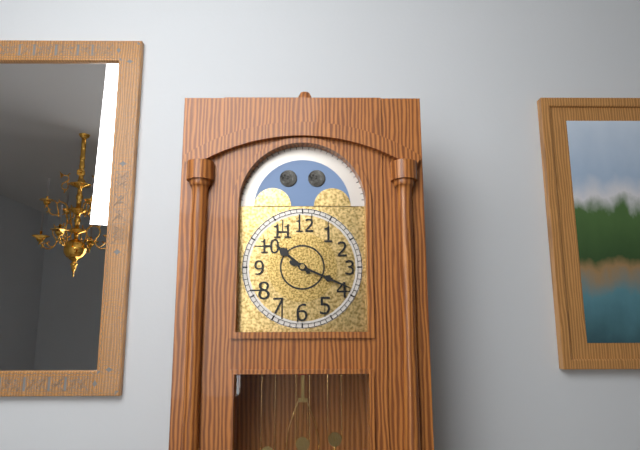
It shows 10h19
